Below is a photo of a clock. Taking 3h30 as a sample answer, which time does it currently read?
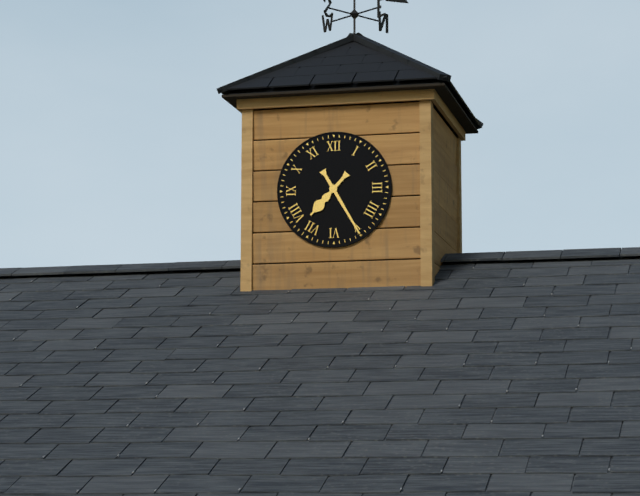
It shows 7h25
